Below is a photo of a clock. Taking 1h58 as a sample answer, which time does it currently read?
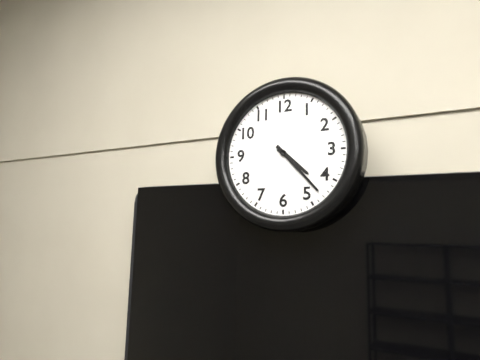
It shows 4h23
